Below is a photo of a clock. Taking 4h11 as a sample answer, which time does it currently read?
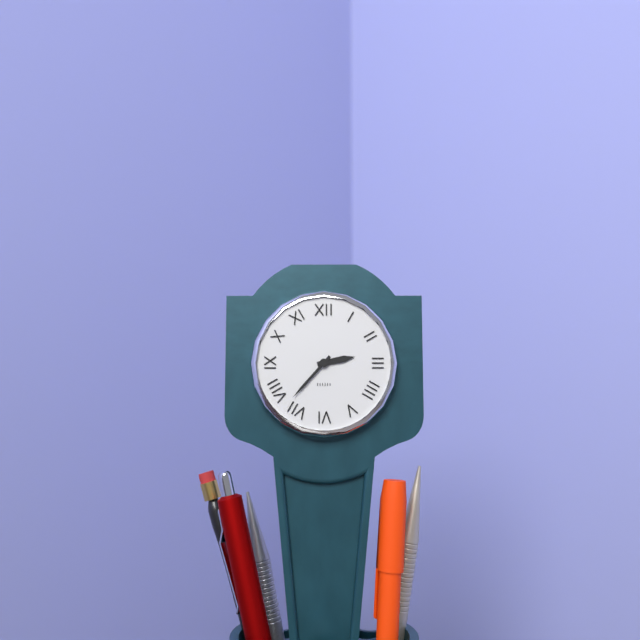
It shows 2h37
